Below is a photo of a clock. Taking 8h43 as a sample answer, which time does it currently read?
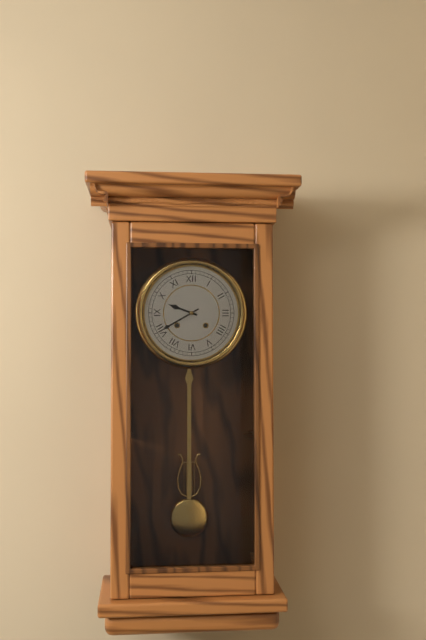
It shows 9h40
